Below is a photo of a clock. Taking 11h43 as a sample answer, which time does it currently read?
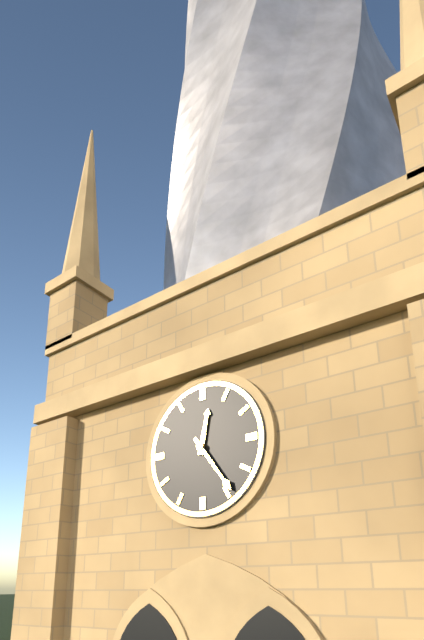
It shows 12h24
